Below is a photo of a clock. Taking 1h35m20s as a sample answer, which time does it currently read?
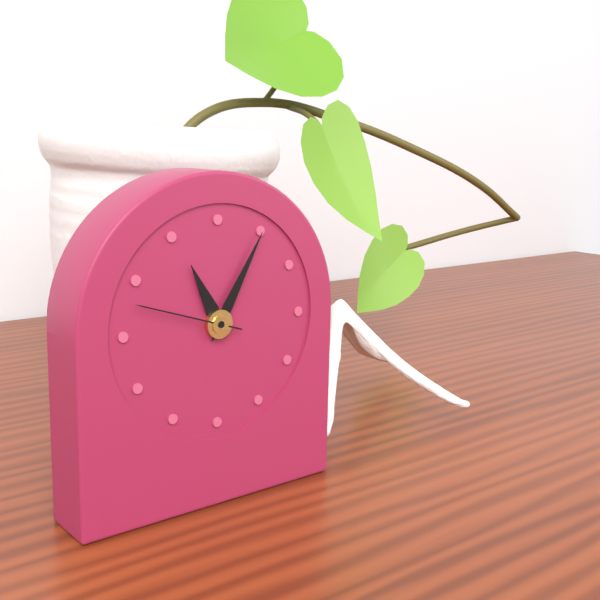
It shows 11h05m48s
